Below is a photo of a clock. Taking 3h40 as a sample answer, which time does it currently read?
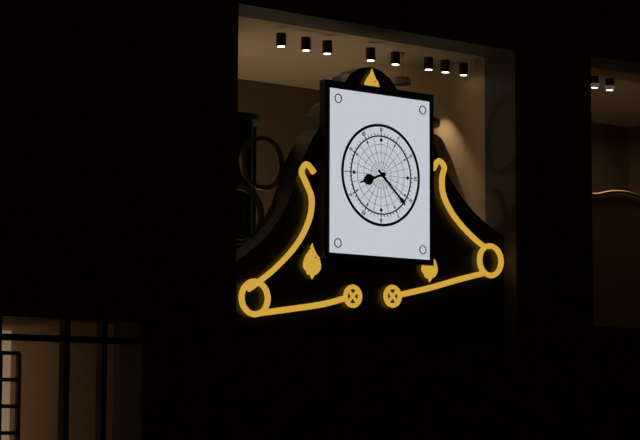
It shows 8h22
